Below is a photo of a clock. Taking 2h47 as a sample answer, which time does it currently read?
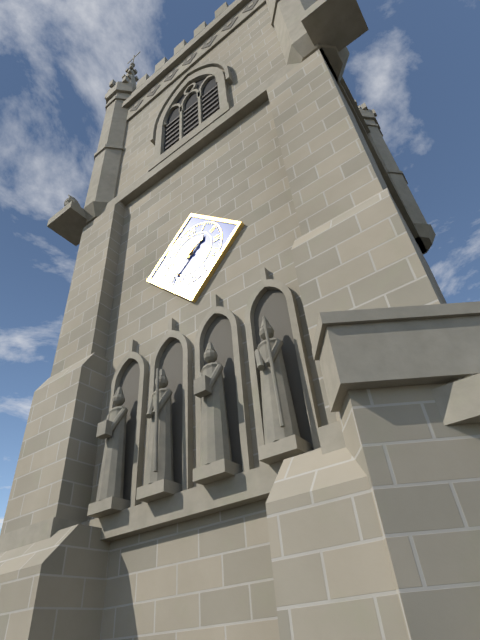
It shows 1h38
